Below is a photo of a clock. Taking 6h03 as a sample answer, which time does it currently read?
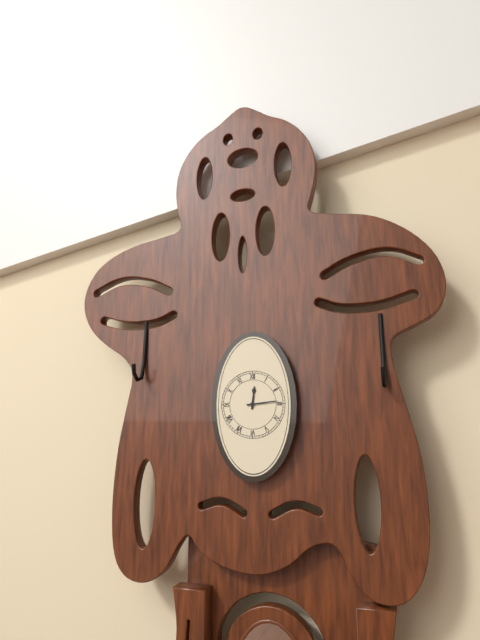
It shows 12h14
